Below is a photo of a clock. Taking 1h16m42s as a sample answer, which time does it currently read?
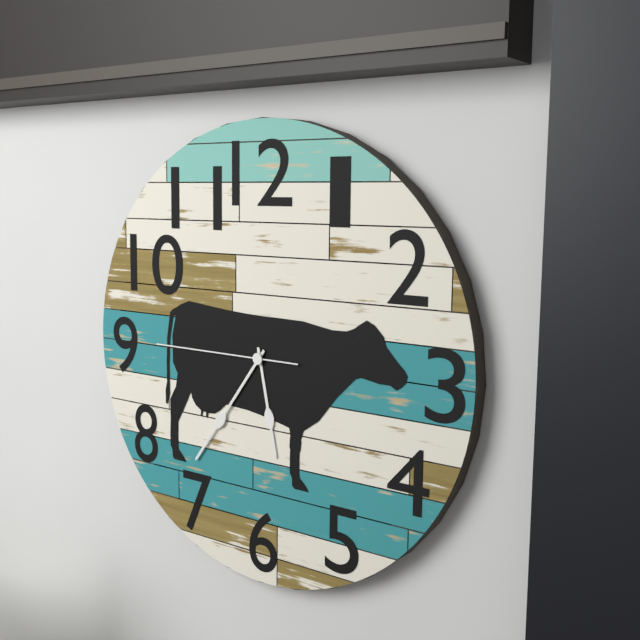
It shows 5h36m45s
